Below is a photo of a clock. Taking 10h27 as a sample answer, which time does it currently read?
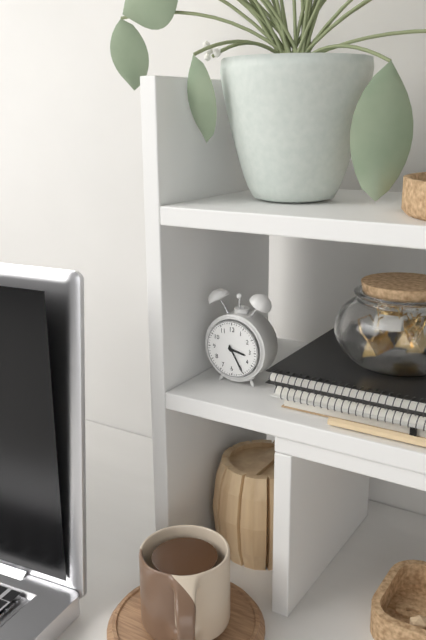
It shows 3h25
